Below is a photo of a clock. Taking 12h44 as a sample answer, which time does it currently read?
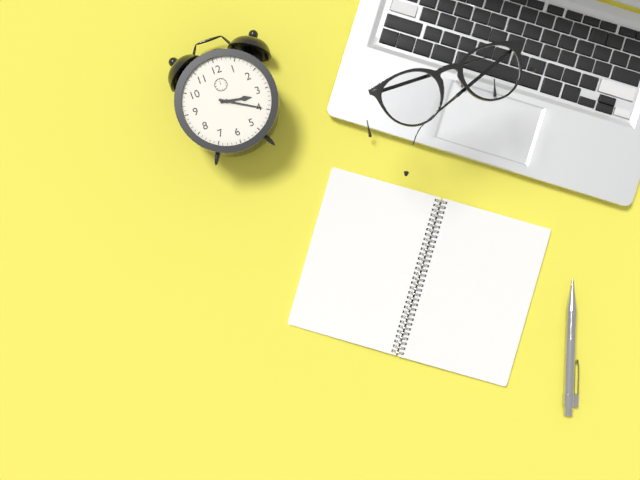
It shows 3h20
